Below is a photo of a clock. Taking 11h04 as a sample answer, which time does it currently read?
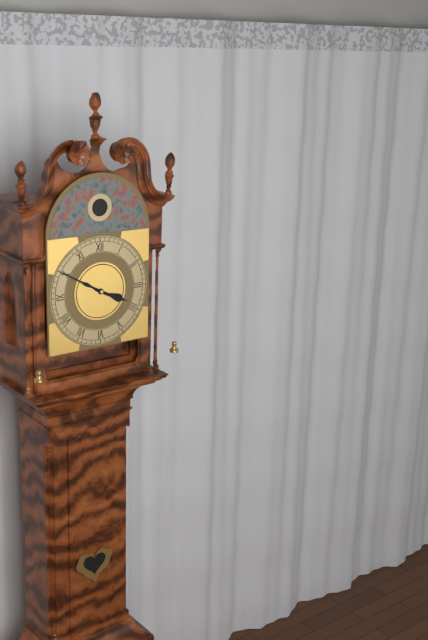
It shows 3h50
